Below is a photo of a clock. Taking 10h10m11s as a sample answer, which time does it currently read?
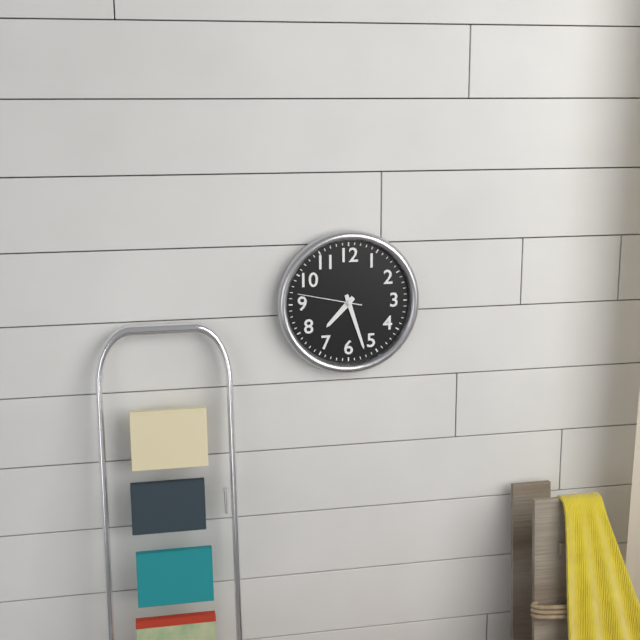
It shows 7h27m47s
